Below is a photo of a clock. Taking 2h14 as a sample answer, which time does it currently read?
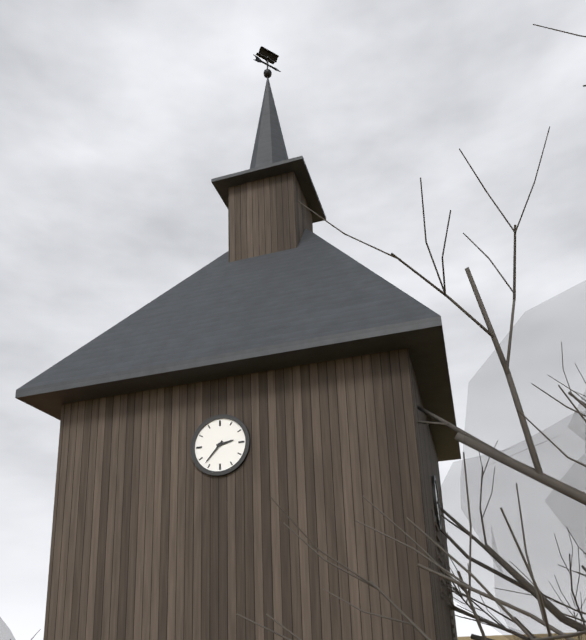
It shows 2h37
